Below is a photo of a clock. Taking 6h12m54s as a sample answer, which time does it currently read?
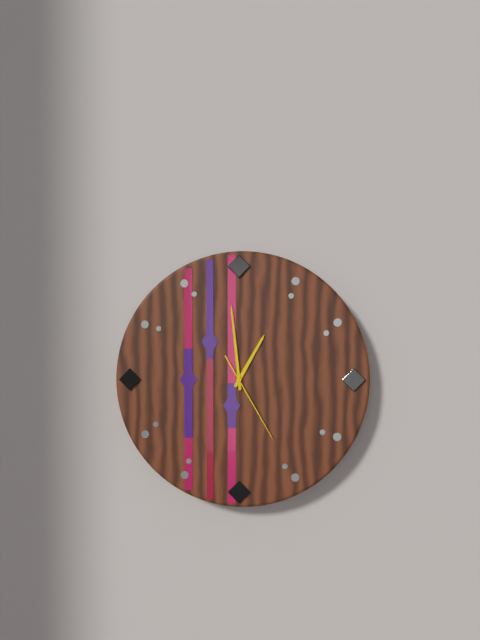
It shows 12h59m25s
